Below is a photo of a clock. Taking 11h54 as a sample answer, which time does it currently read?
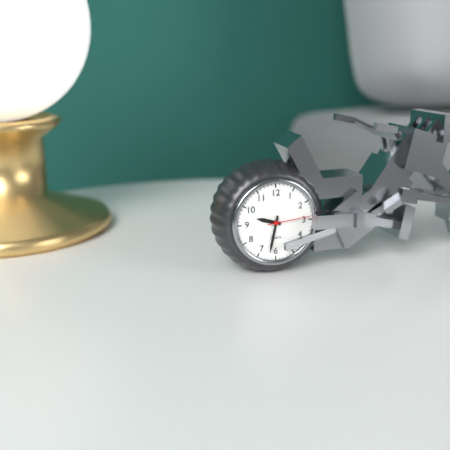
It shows 9h32
